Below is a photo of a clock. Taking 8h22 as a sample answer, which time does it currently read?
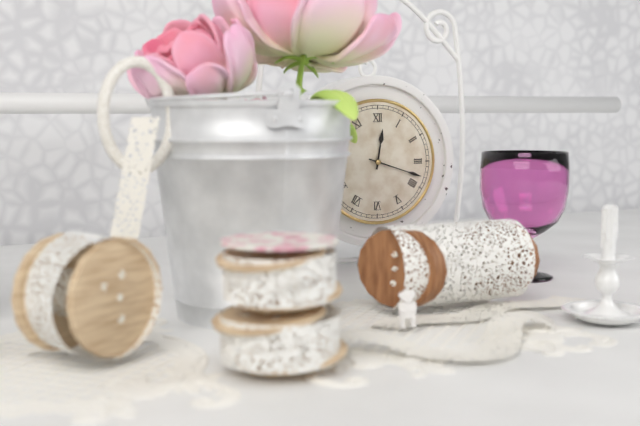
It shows 12h18
